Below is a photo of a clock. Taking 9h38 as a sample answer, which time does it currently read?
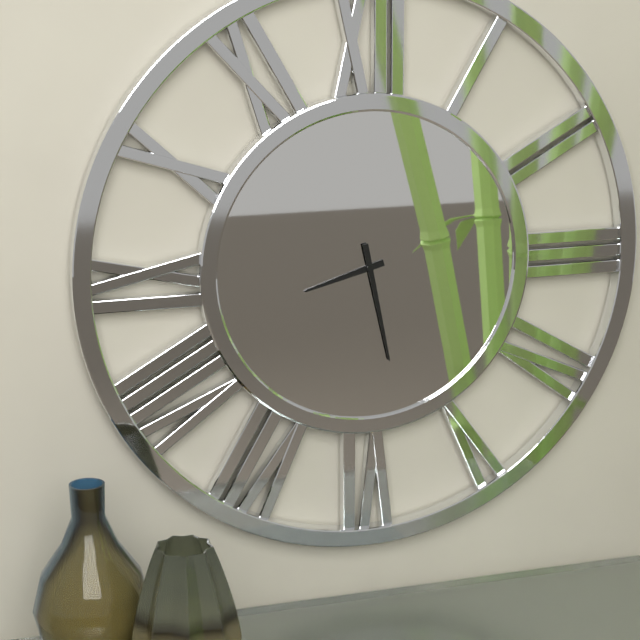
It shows 8h28
